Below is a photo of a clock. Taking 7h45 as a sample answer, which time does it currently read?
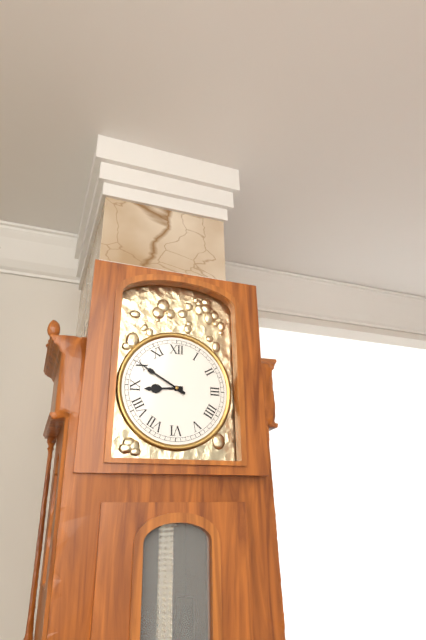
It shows 8h50
